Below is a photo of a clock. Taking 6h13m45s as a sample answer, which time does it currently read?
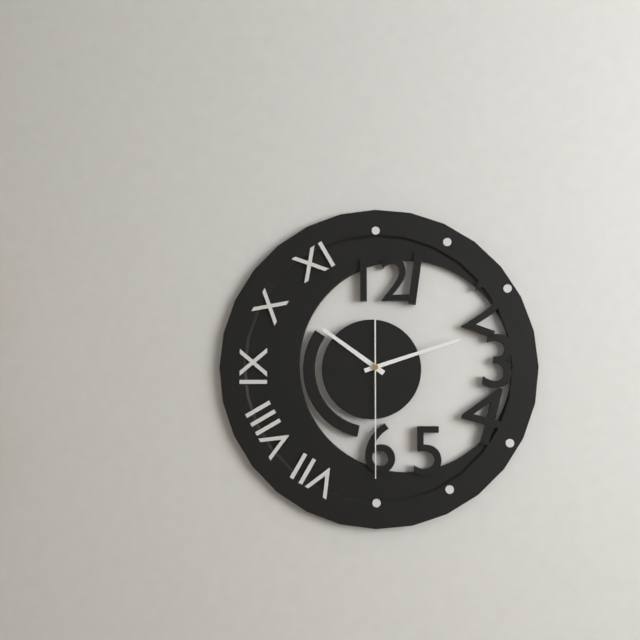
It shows 10h12m30s
